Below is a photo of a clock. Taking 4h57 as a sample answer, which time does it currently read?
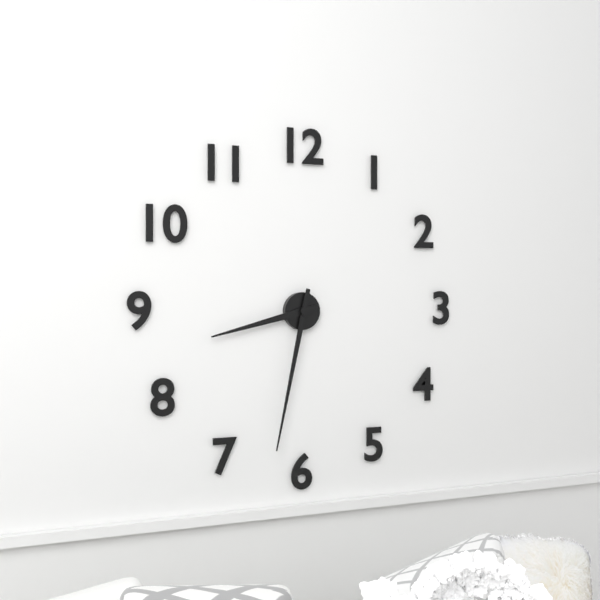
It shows 8h32
